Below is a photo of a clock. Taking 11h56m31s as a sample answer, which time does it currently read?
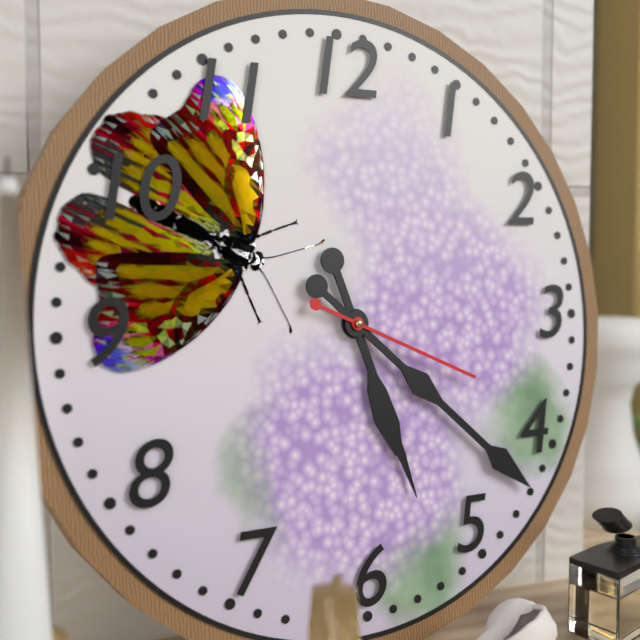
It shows 5h22m19s
